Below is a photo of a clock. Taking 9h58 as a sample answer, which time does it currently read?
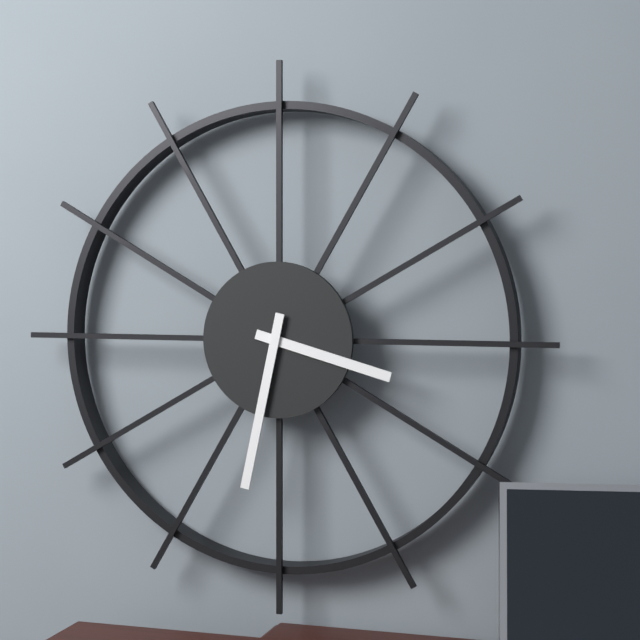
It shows 3h32
